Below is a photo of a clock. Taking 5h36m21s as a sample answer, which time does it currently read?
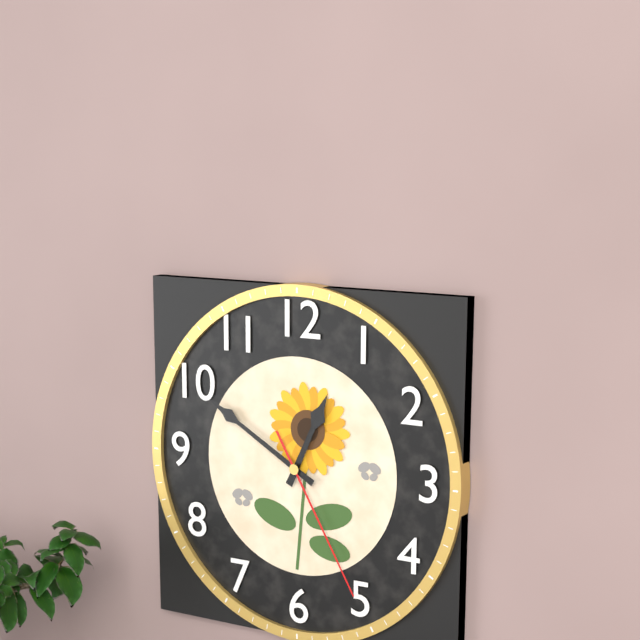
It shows 12h50m25s
